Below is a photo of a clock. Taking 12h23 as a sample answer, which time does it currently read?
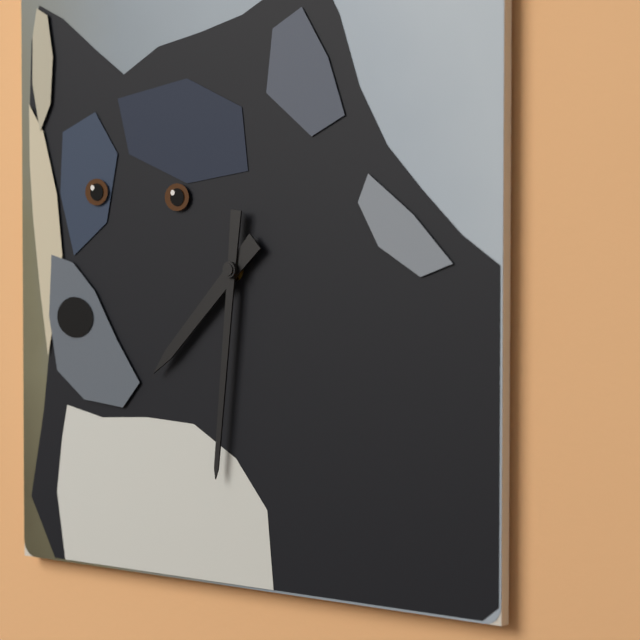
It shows 7h31
